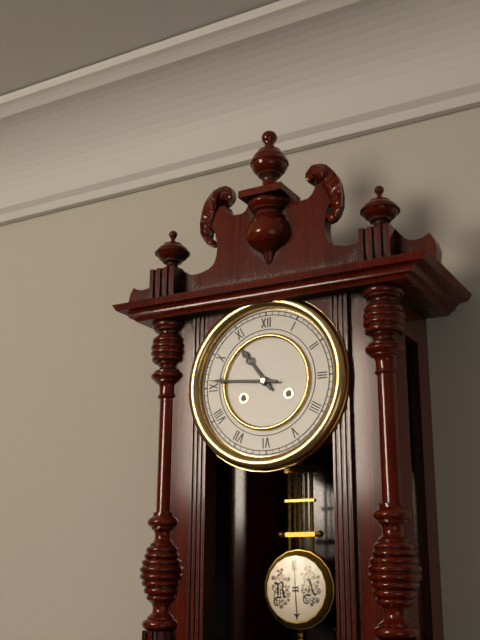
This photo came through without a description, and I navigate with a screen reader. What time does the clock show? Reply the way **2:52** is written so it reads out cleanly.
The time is **10:46**
